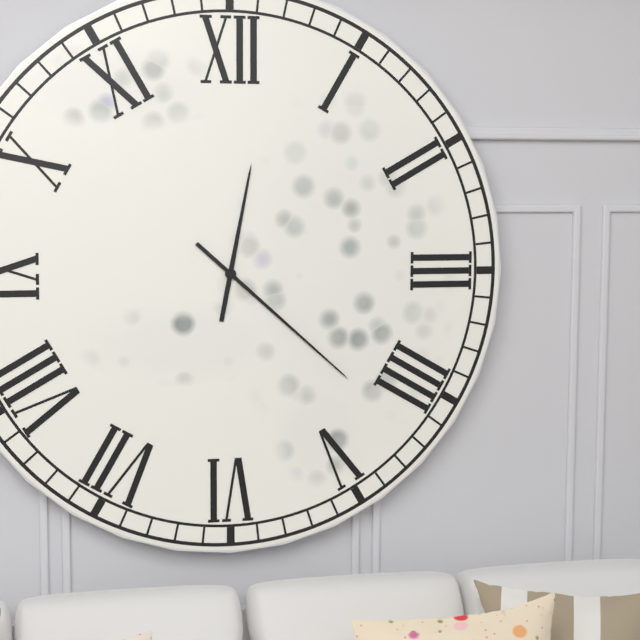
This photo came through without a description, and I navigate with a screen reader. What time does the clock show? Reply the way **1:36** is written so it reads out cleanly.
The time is **12:22**
